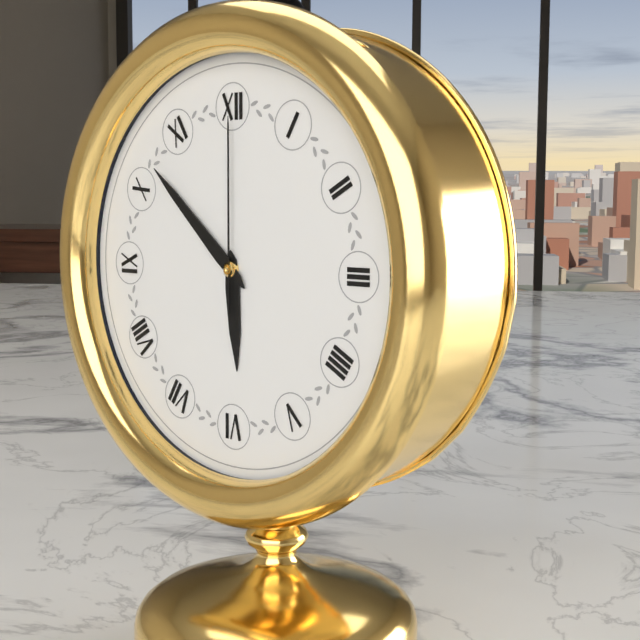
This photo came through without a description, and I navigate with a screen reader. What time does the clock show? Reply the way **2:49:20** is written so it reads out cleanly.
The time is **5:52:00**
